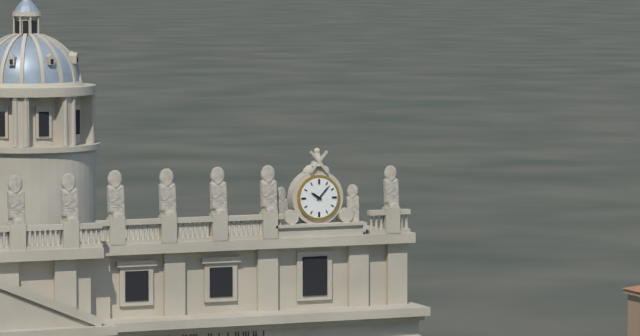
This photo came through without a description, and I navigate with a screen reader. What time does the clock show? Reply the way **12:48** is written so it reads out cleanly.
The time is **10:07**
